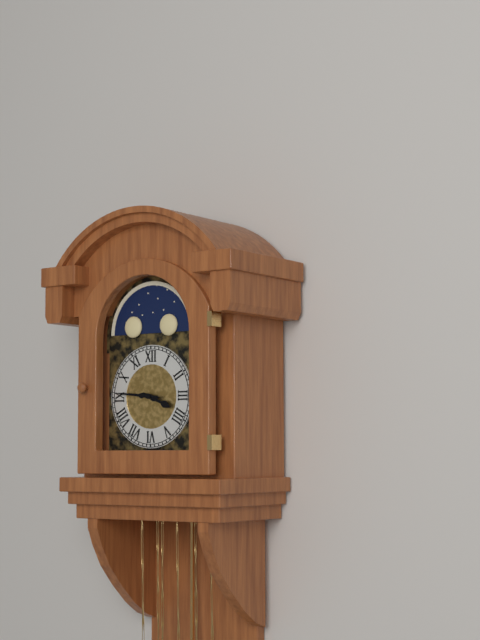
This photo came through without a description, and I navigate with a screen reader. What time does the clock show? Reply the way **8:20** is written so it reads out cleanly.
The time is **3:46**
